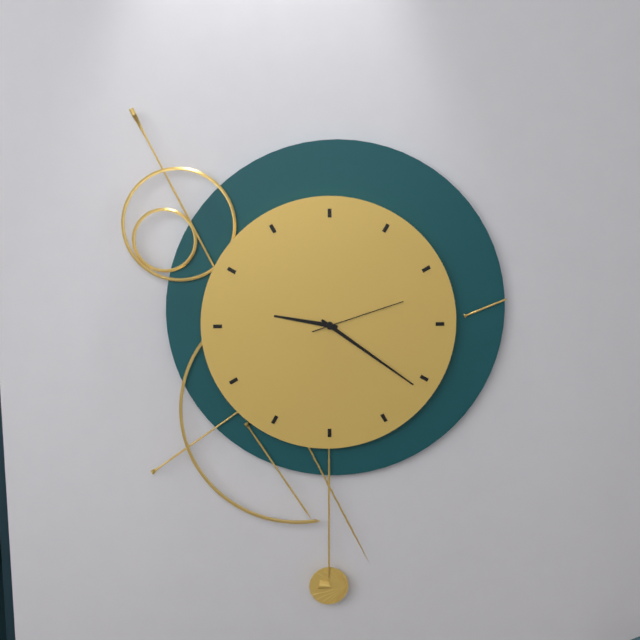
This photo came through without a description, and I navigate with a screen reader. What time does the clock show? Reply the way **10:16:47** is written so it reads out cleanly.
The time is **9:21:12**
